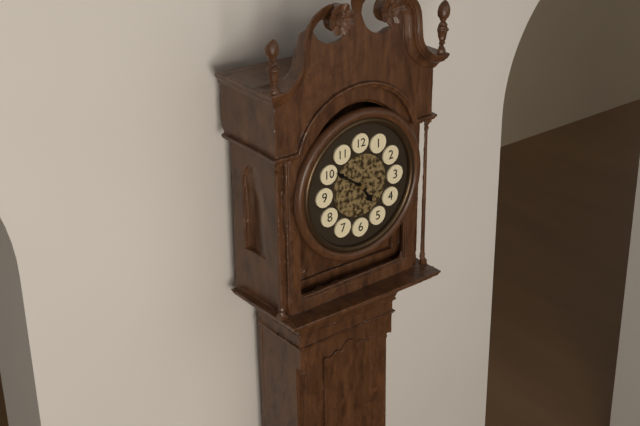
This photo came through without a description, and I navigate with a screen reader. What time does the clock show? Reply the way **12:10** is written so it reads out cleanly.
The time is **4:51**
